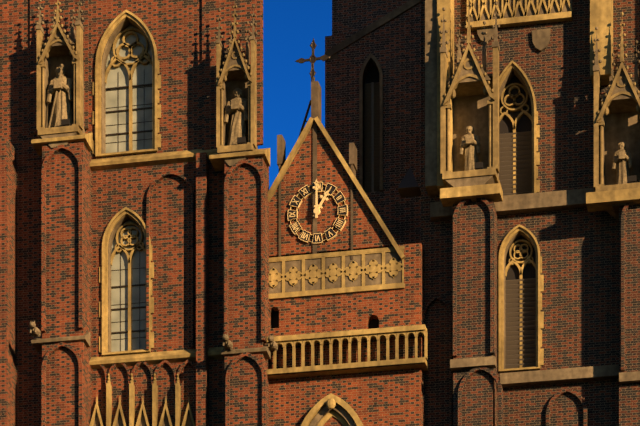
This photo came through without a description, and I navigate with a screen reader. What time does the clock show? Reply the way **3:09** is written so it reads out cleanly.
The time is **1:00**
